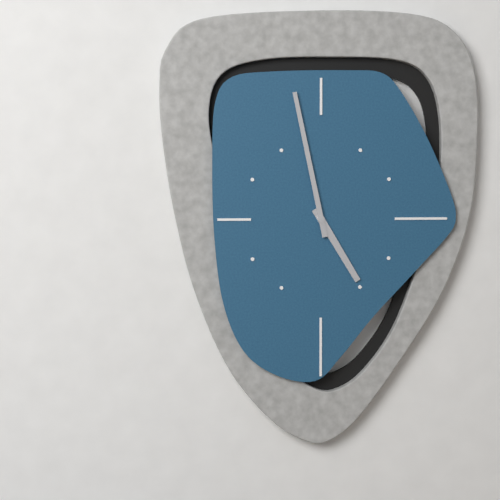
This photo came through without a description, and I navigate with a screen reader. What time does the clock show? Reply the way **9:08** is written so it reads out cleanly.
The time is **4:58**
